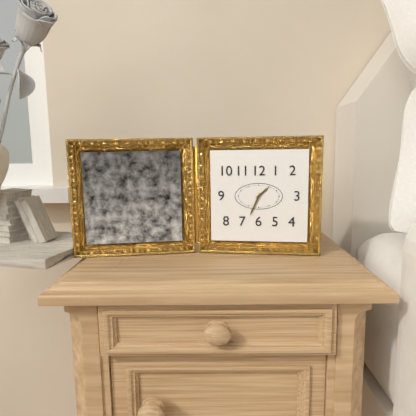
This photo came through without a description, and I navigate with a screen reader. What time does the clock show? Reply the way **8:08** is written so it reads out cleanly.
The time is **1:34**
